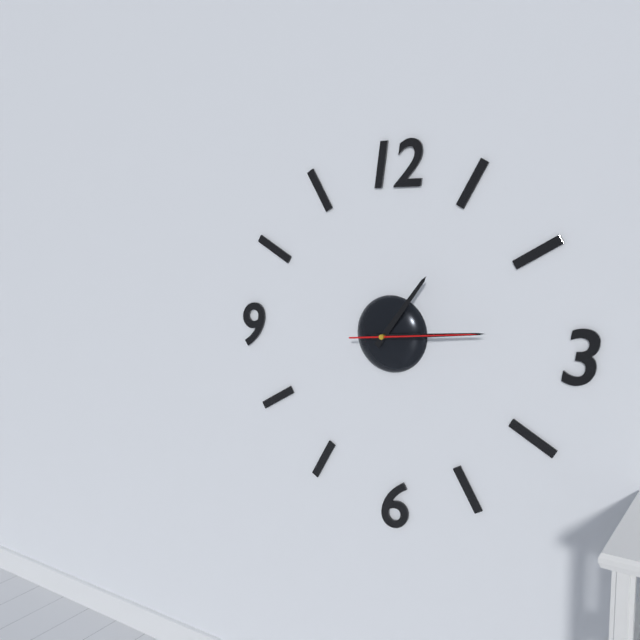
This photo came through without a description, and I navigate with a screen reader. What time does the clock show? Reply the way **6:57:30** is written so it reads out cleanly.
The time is **1:14:14**
